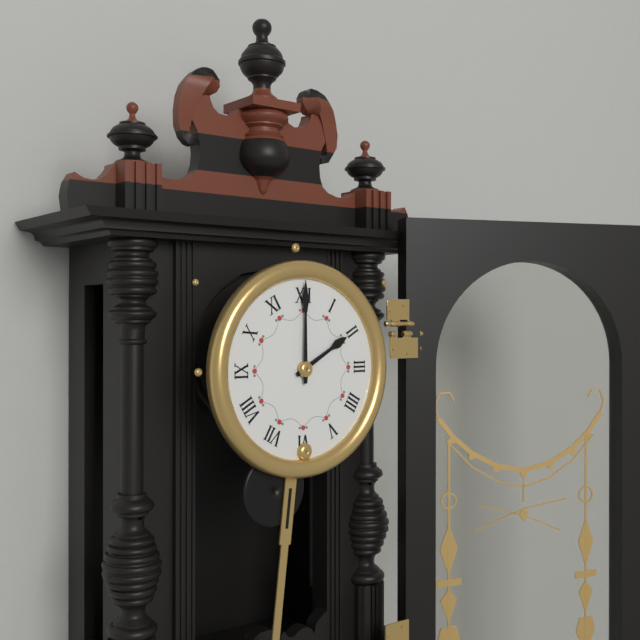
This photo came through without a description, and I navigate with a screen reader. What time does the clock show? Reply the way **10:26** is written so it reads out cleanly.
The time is **2:00**
